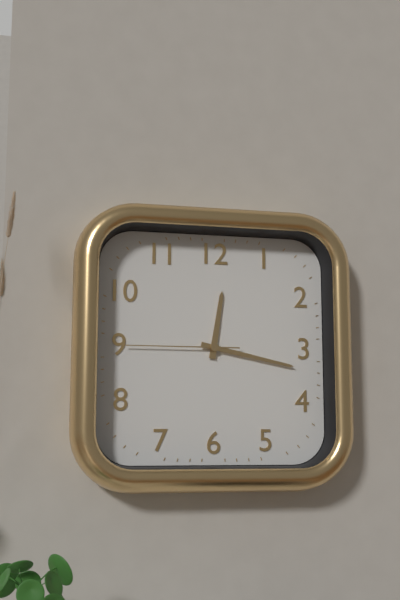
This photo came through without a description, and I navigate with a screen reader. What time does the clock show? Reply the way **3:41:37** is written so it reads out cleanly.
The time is **12:17:45**
